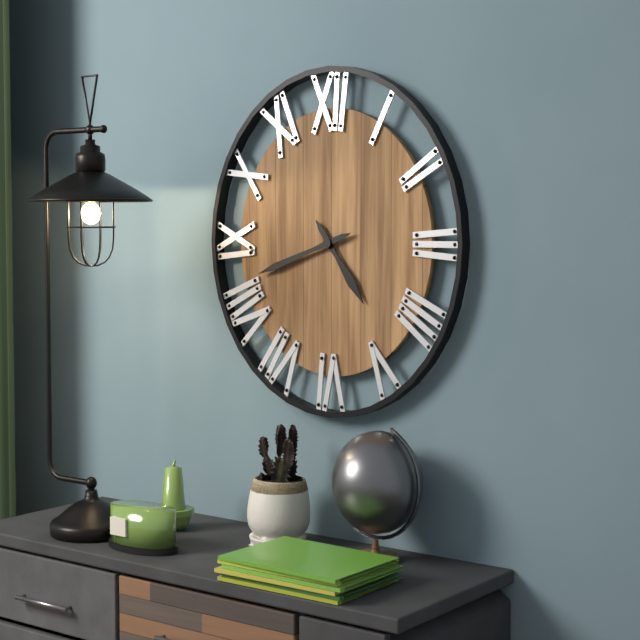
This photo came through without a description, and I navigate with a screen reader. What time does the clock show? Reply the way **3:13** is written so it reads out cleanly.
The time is **4:42**
